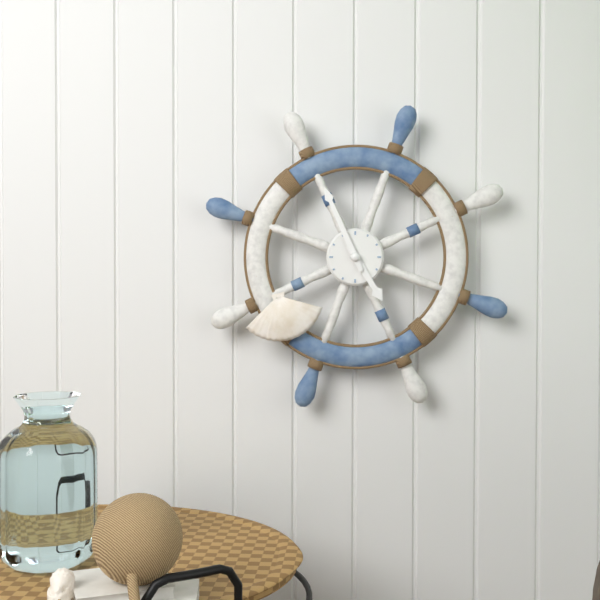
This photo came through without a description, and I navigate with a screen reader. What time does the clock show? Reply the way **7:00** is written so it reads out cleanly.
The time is **4:56**
